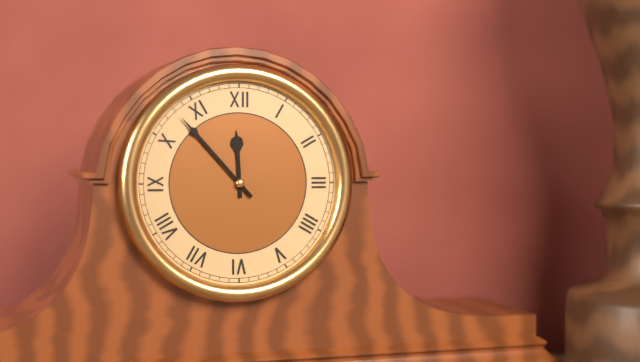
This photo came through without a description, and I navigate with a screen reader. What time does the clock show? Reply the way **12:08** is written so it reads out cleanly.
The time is **11:53**
